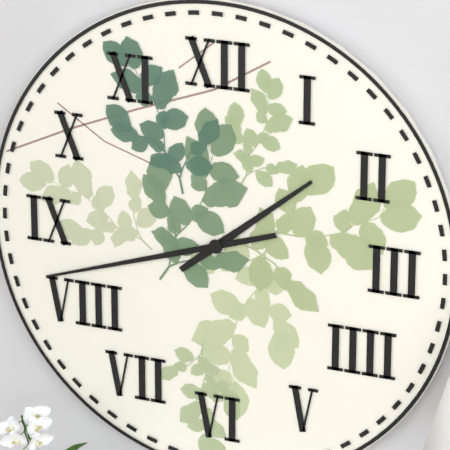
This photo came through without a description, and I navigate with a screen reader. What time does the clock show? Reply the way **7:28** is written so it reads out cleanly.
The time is **1:42**
